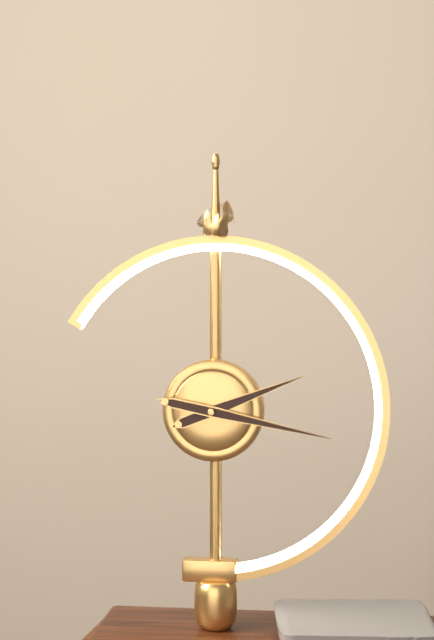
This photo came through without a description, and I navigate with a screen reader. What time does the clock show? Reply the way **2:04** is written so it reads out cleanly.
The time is **2:17**
